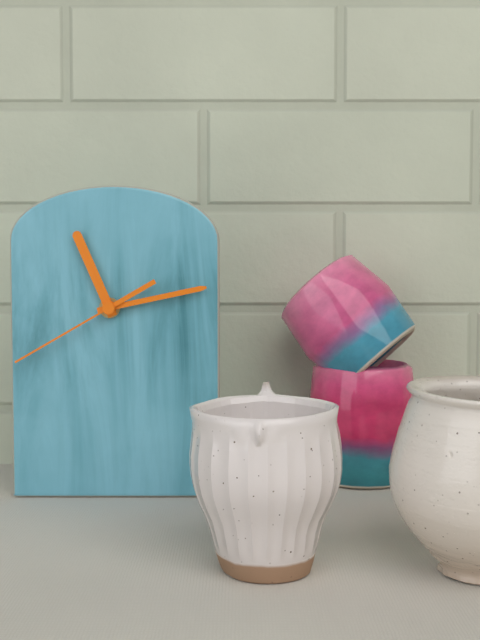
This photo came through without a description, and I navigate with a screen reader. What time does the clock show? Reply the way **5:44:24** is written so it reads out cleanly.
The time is **11:13:40**
